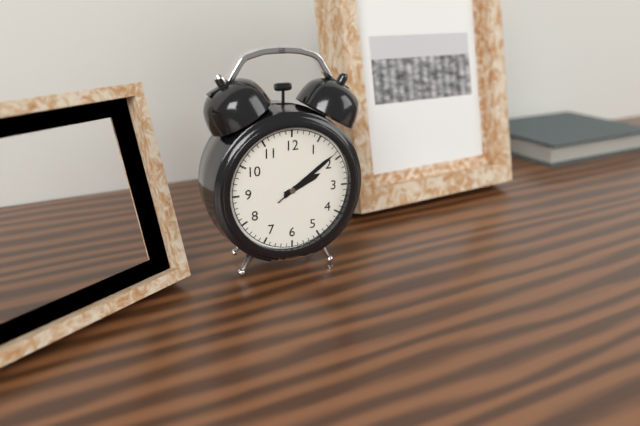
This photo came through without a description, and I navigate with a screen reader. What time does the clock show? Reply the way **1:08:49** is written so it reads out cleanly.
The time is **2:09:09**
